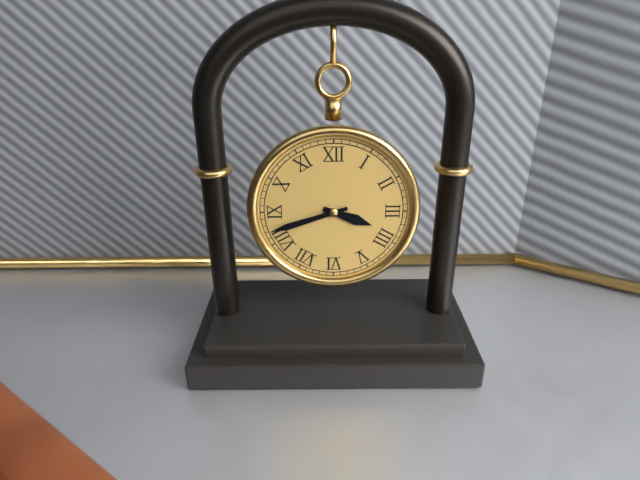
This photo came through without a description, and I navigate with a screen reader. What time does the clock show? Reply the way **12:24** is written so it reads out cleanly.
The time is **3:42**
